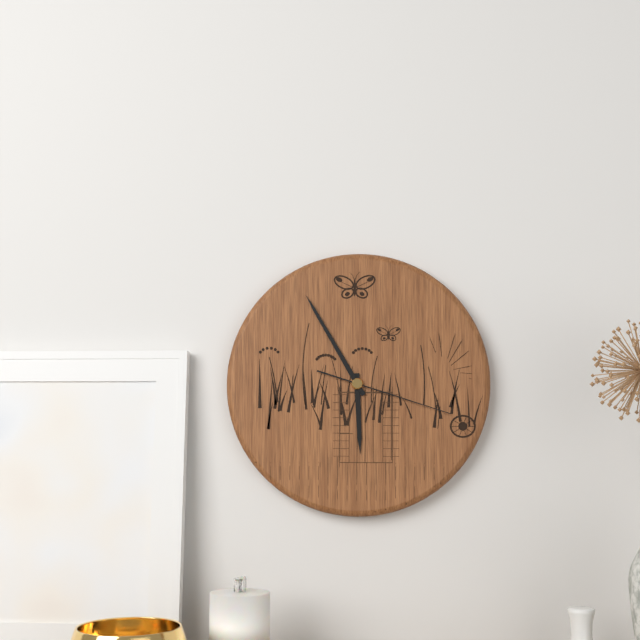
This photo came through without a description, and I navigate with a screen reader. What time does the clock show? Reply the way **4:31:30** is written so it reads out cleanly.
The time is **5:55:18**
